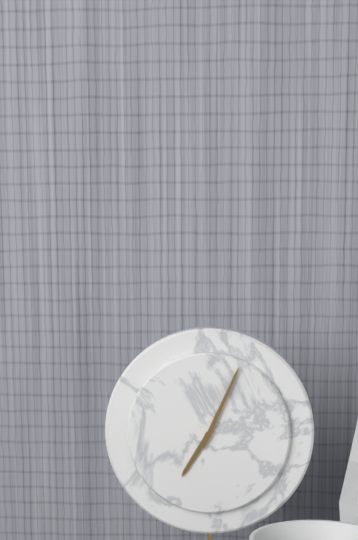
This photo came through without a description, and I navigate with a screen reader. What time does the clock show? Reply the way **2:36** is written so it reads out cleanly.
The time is **7:04**
